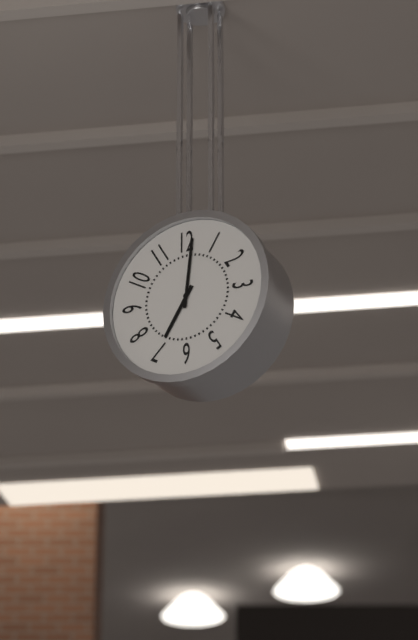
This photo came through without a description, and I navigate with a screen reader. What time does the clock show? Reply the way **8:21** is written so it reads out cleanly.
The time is **7:01**
